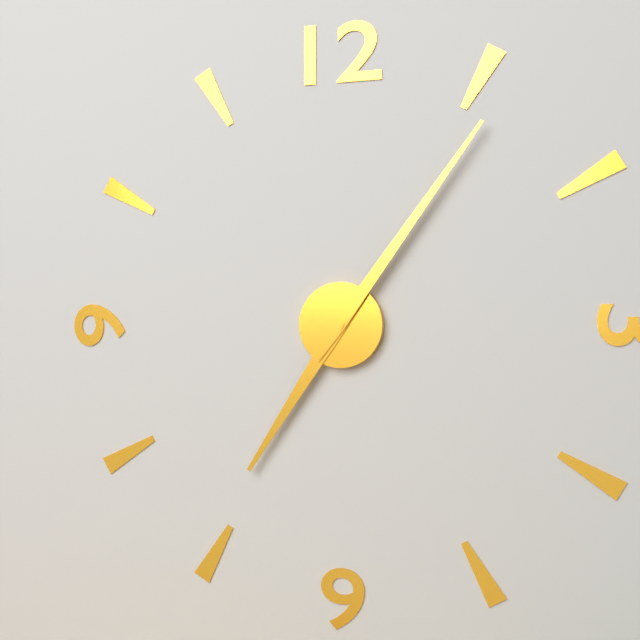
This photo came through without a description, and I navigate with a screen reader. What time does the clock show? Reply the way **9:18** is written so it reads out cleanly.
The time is **7:06**
